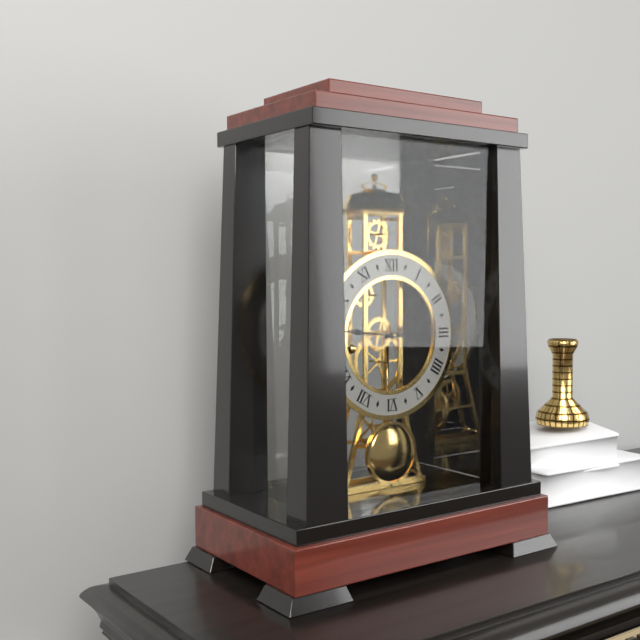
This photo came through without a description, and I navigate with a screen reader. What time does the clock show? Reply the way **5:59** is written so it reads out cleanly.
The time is **2:46**
